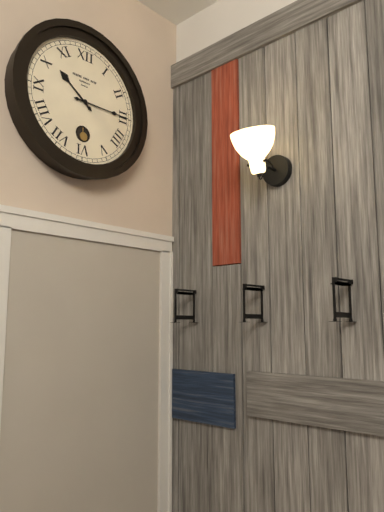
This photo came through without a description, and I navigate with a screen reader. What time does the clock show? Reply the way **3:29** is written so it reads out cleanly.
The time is **10:15**
